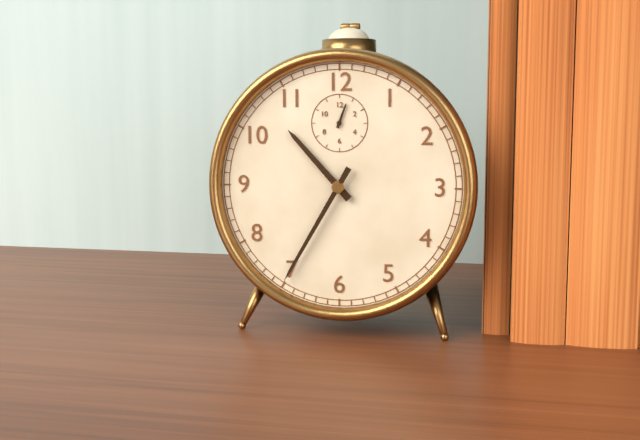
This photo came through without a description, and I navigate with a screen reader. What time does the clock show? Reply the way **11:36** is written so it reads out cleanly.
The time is **10:35**
